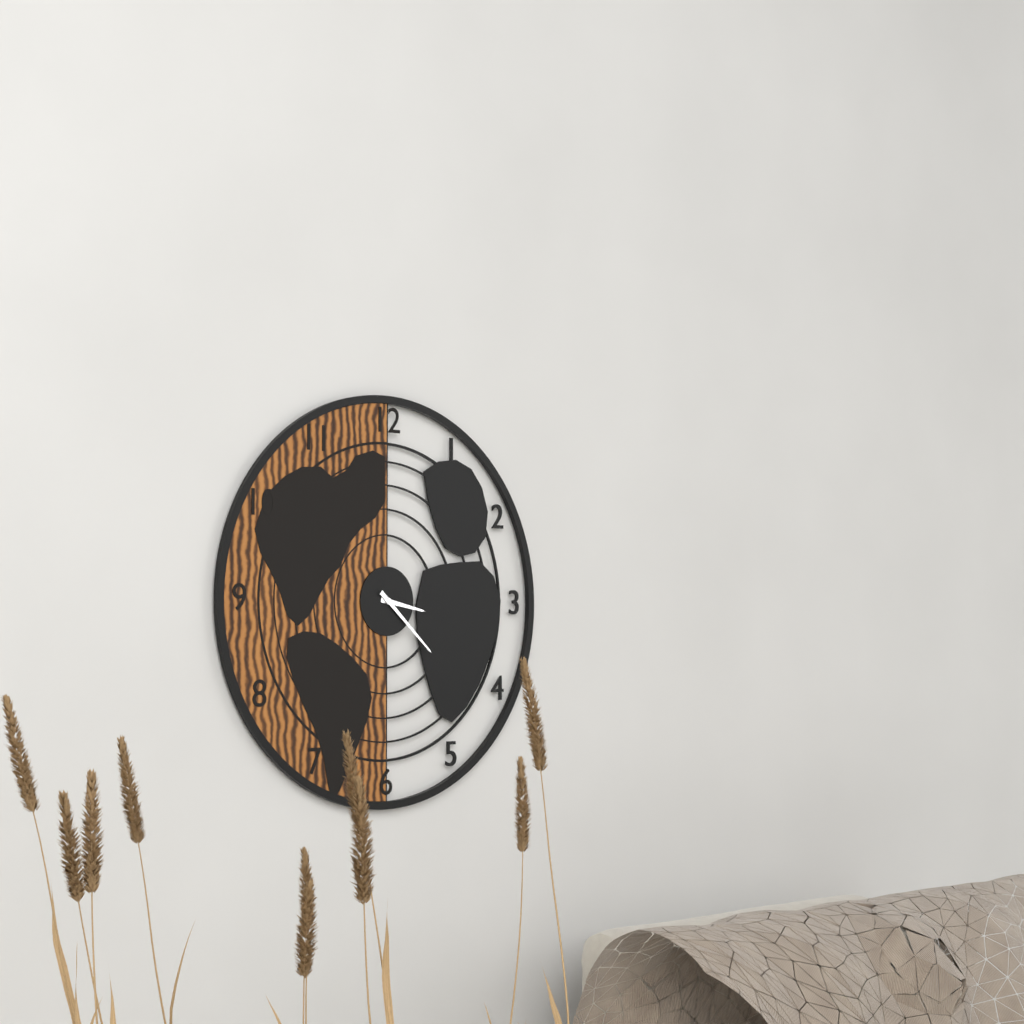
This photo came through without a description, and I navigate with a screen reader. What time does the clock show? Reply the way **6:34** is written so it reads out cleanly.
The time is **3:22**
